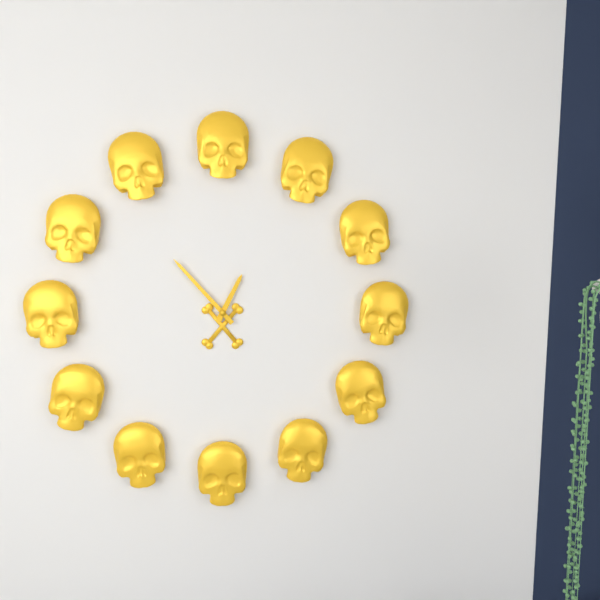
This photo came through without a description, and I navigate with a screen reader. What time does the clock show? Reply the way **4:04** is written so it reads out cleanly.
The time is **12:53**
